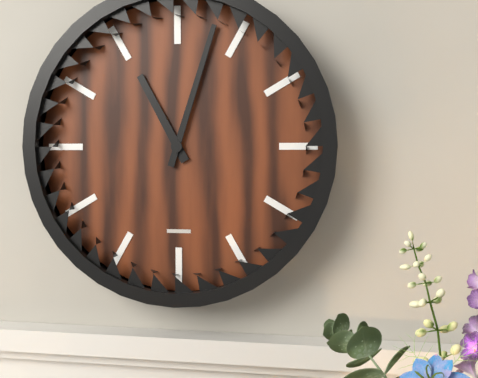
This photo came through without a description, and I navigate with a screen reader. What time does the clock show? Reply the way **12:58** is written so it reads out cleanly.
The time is **11:03**
